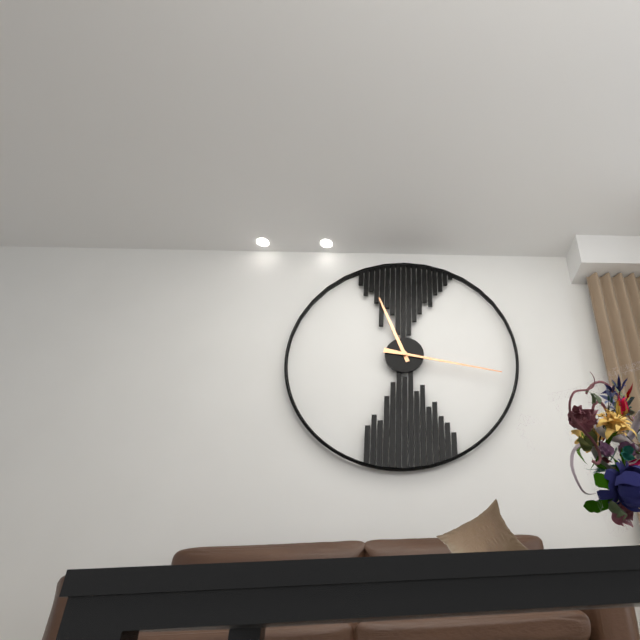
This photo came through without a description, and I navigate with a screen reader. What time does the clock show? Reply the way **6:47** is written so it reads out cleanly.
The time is **11:17**
